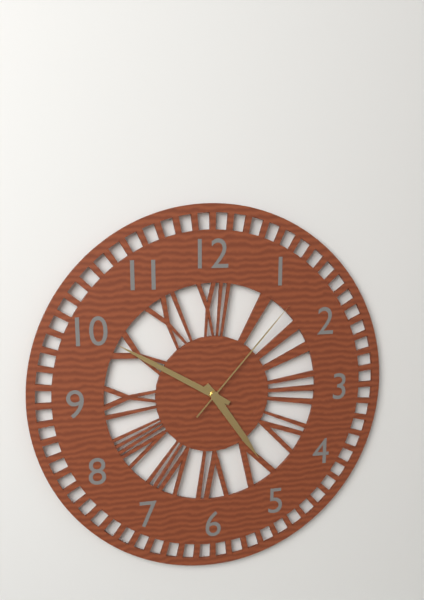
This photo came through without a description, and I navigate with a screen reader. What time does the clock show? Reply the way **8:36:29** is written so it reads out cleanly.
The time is **4:50:07**
